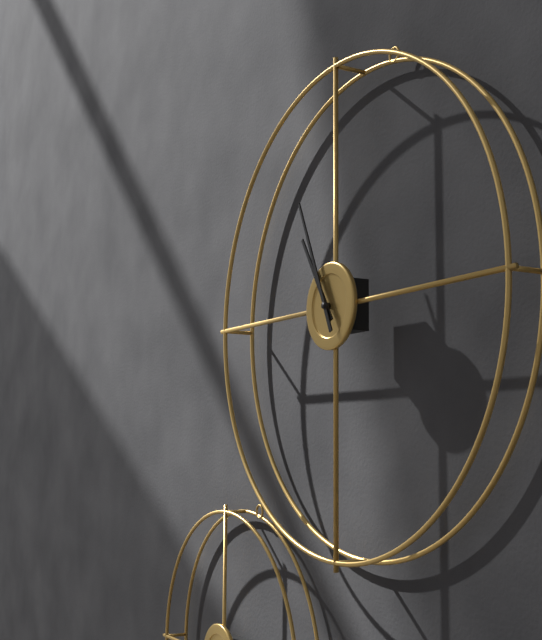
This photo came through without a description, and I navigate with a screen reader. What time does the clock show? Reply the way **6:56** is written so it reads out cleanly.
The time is **10:56**
